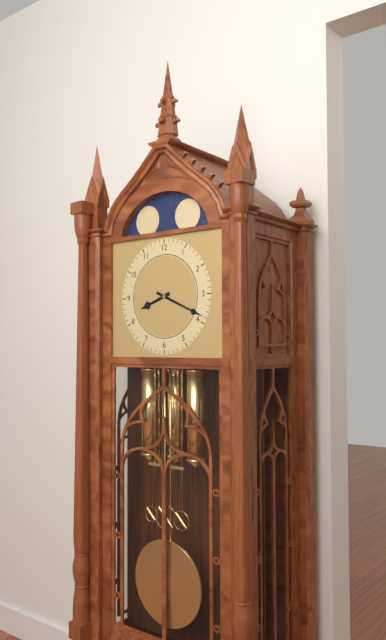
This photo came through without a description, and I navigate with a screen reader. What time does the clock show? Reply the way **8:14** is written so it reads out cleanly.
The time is **8:19**
